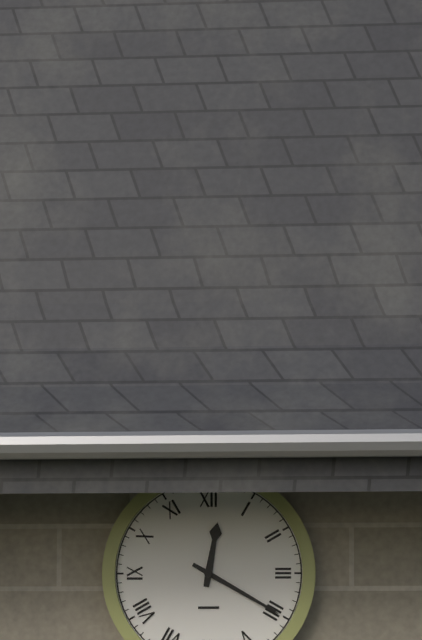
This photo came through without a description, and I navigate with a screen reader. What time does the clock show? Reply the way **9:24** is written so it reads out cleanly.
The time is **12:20**
